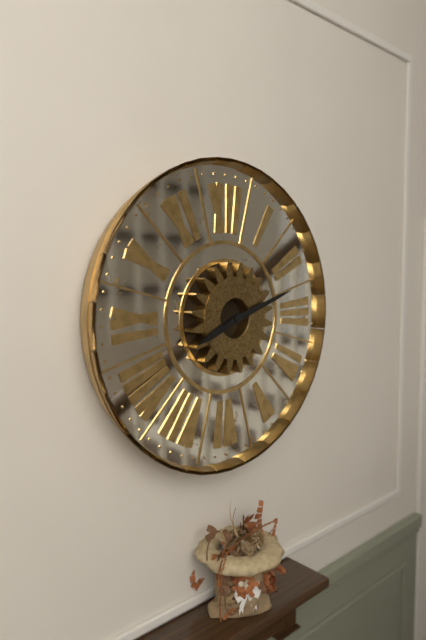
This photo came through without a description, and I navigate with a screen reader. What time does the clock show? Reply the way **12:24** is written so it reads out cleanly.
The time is **8:12**
